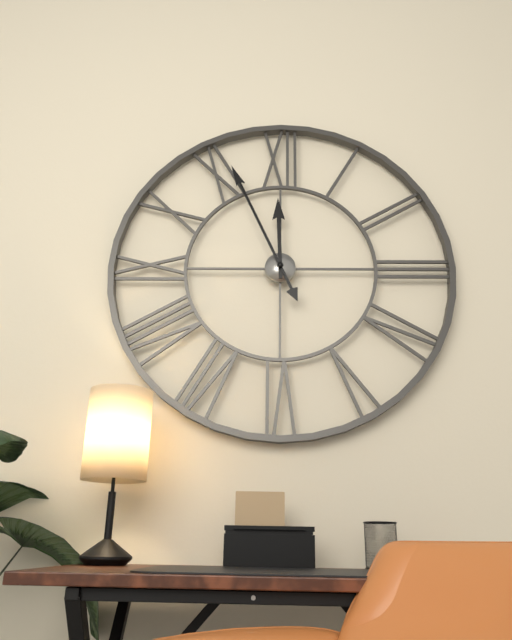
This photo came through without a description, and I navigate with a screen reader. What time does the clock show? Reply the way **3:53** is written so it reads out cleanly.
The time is **11:56**
